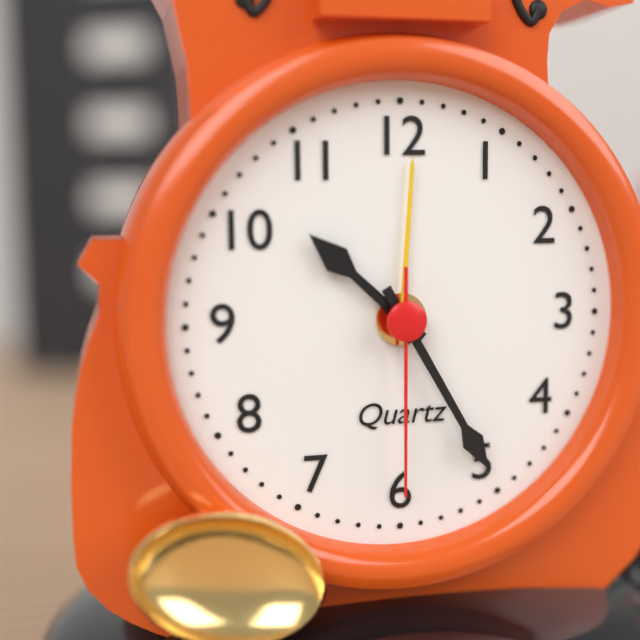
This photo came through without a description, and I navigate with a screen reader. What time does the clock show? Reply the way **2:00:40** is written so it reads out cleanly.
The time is **10:25:30**
